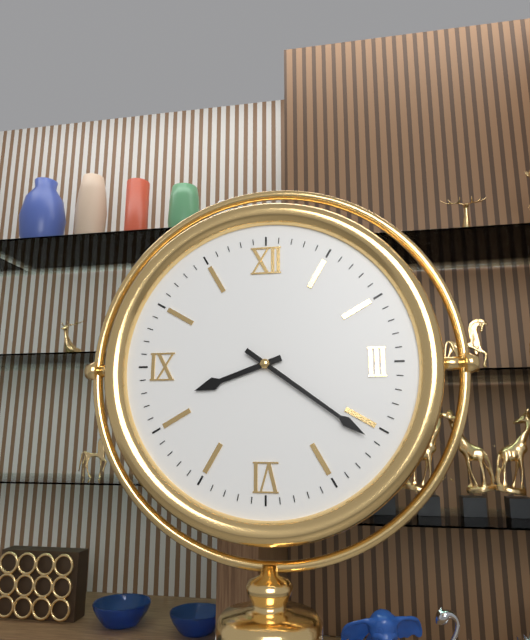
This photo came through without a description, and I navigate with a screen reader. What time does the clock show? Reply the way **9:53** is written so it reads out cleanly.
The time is **8:21**
